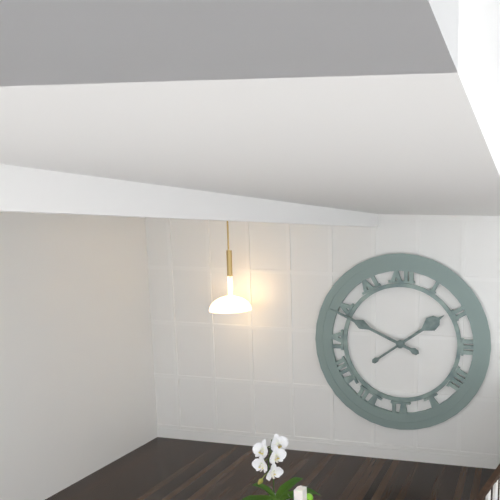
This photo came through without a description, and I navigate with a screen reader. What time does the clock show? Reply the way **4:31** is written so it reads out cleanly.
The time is **1:49**
